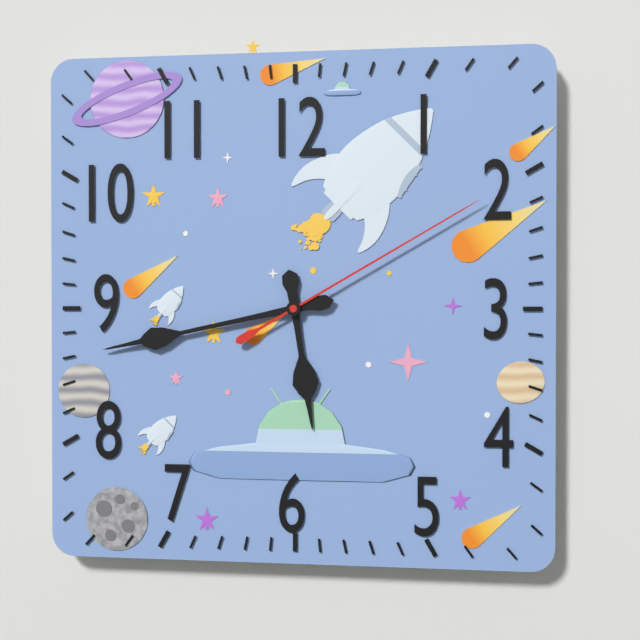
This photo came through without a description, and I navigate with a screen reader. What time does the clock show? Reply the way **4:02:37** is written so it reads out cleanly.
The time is **5:43:10**
